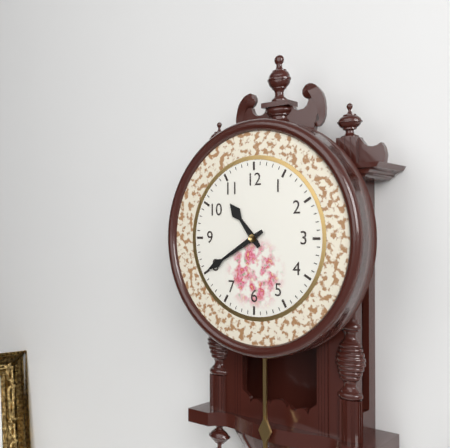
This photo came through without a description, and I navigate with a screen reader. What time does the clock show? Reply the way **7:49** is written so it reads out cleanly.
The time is **10:40**
